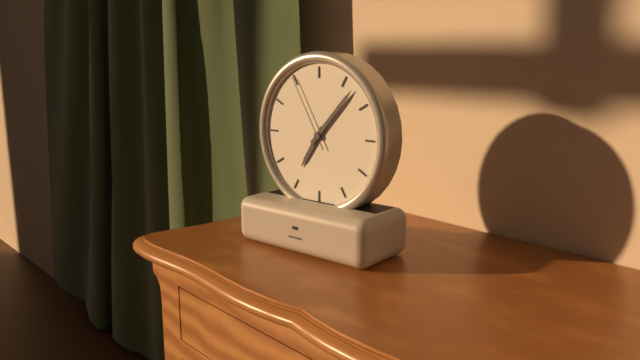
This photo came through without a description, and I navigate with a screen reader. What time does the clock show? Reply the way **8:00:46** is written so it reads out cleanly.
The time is **7:07:55**
